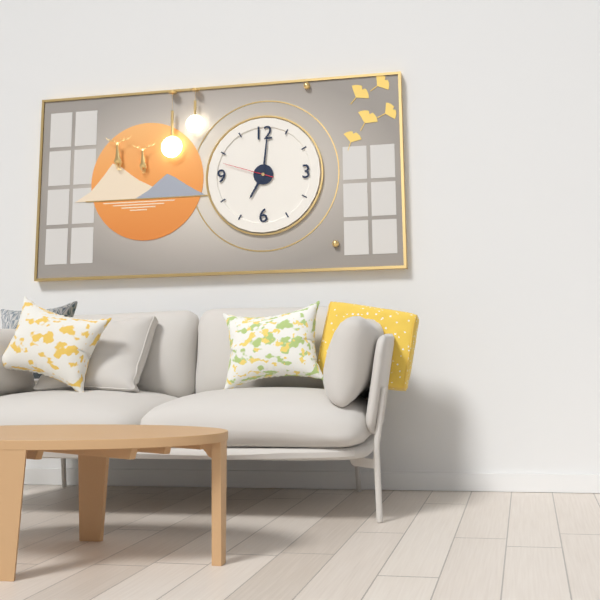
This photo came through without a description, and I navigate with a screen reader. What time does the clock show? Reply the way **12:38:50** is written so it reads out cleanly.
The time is **7:01:48**
